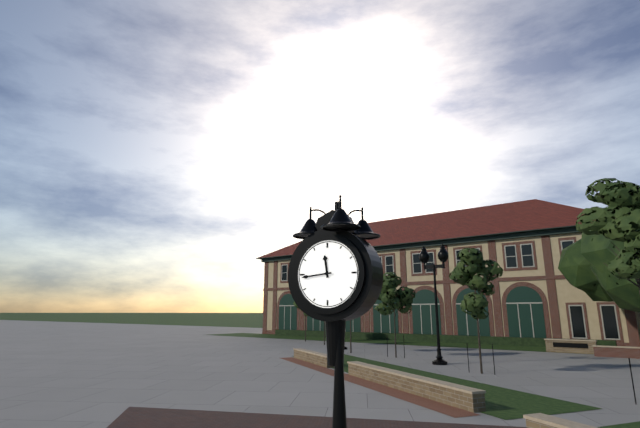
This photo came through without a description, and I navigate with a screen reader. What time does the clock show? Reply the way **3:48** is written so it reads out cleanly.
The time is **11:44**
